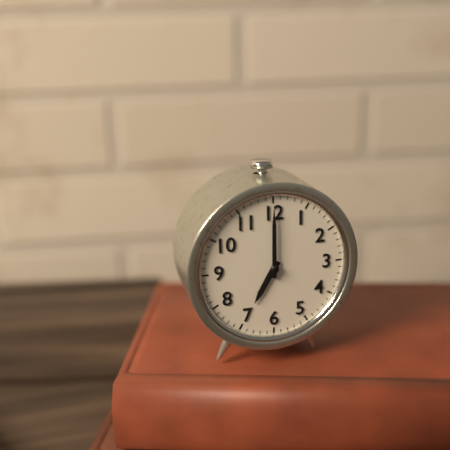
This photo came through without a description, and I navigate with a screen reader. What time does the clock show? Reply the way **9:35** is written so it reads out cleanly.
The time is **7:00**
